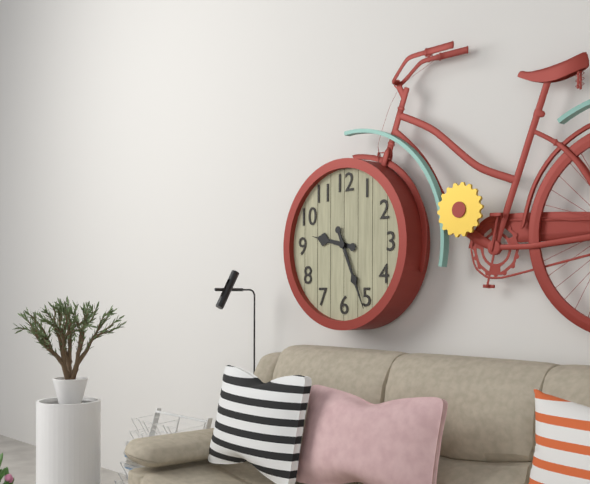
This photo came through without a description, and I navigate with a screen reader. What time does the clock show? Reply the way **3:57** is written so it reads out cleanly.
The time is **9:26**
